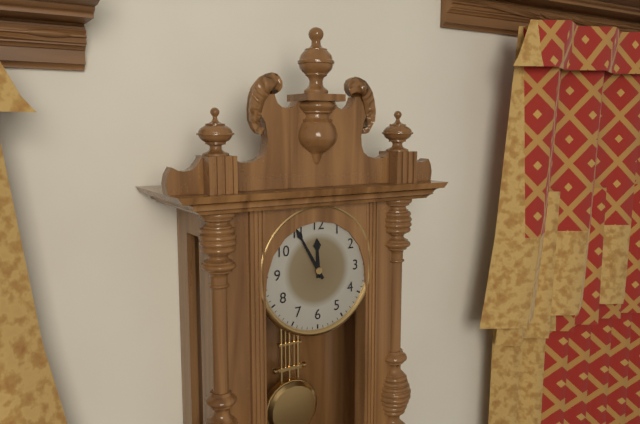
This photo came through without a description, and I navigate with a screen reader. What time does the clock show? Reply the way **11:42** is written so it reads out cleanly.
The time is **11:55**
